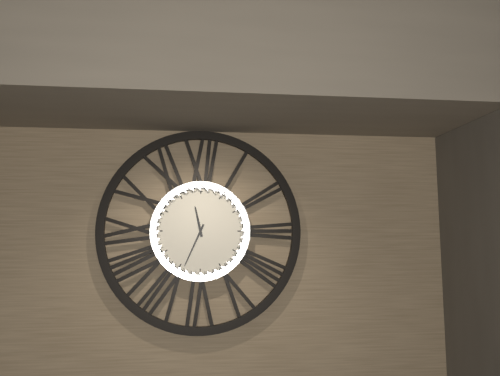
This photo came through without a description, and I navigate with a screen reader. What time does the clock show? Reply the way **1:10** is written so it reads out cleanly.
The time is **11:34**
